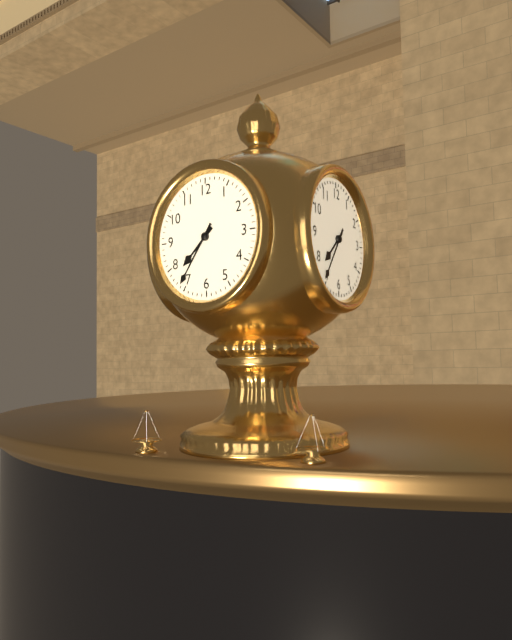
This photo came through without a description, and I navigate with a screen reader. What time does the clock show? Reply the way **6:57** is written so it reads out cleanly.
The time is **7:36**
